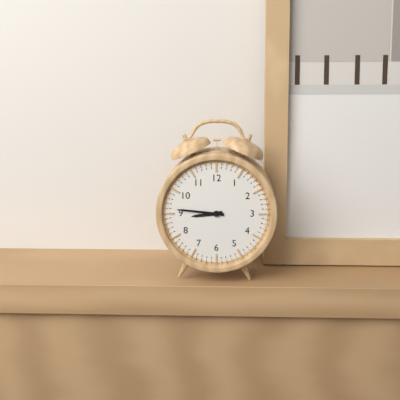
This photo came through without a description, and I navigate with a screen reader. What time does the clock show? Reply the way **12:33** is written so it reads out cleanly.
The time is **8:46**
